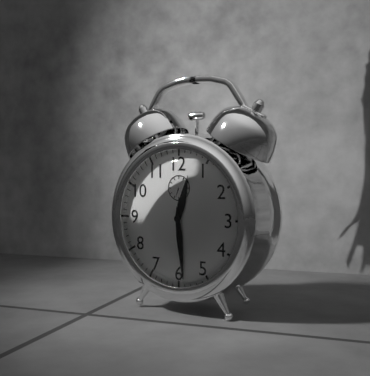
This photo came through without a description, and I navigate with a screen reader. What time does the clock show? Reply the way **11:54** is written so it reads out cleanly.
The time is **12:29**
